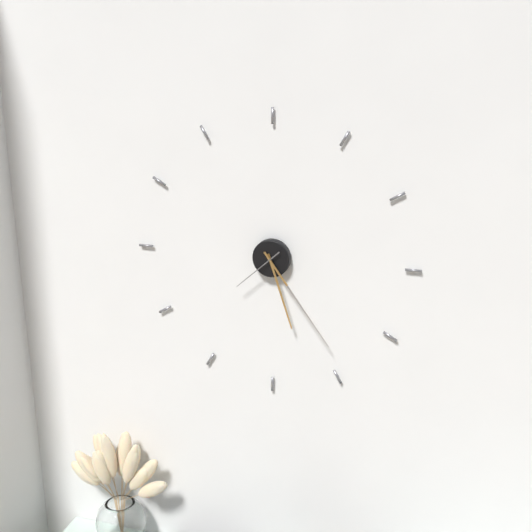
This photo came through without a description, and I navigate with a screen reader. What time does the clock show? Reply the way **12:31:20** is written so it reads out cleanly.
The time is **5:24:38**
